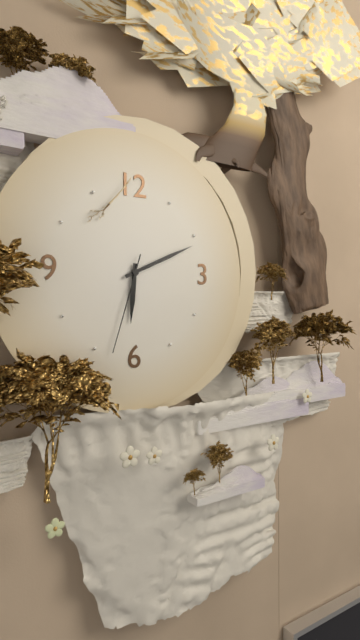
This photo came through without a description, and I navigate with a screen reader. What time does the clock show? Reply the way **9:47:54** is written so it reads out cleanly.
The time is **6:11:33**
